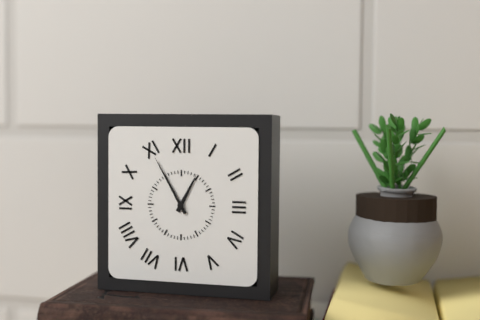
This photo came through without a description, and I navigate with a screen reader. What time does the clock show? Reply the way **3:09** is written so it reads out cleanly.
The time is **12:55**
